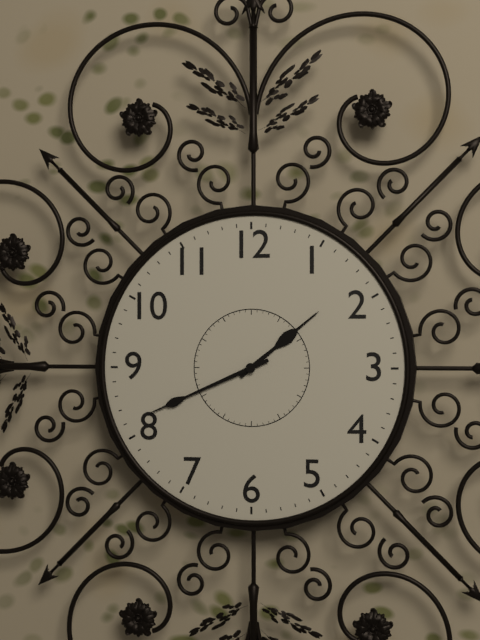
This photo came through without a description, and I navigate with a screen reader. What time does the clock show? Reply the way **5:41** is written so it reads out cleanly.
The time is **1:41**
